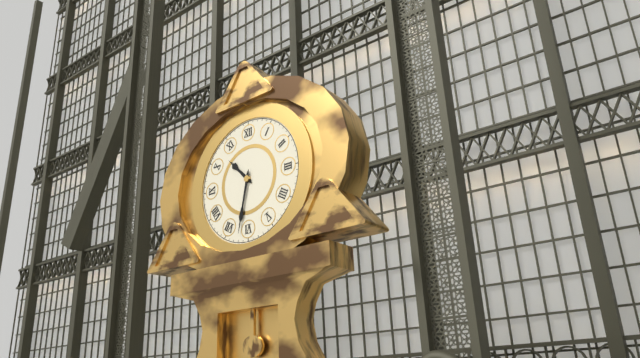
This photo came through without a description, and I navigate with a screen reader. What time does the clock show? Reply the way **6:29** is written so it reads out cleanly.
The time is **10:32**
